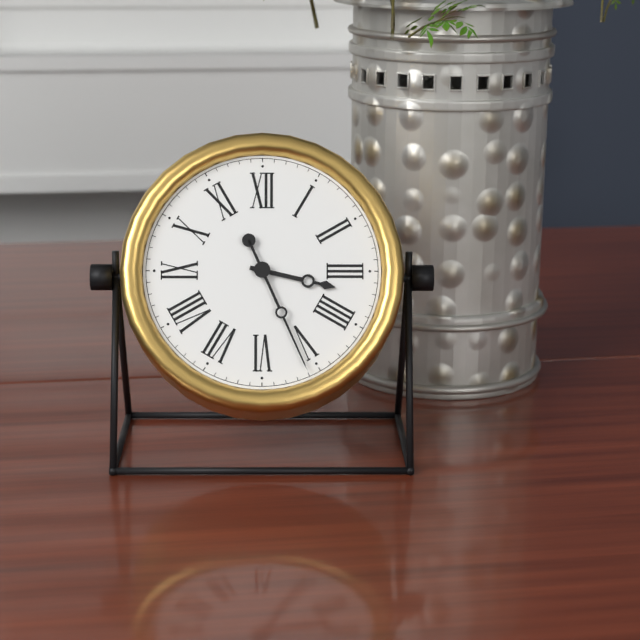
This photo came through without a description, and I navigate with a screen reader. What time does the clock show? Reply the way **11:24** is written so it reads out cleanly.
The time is **3:26**
